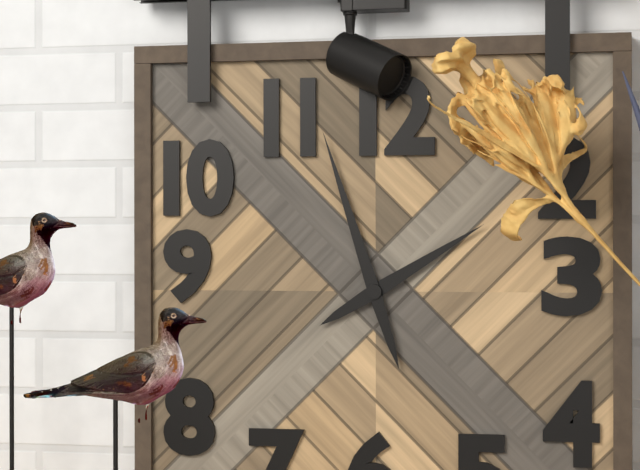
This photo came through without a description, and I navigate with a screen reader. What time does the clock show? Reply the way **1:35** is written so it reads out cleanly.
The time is **1:57**
